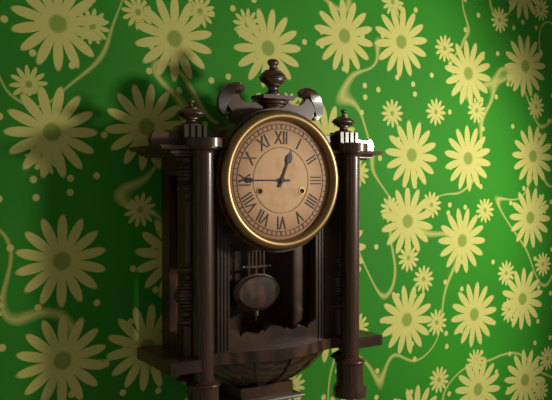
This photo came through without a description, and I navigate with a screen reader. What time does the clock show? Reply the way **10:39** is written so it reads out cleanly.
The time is **12:45**
